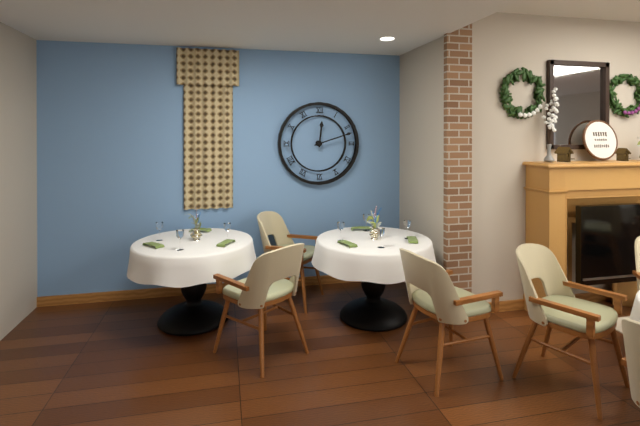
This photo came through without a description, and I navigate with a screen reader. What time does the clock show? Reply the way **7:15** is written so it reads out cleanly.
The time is **12:12**
